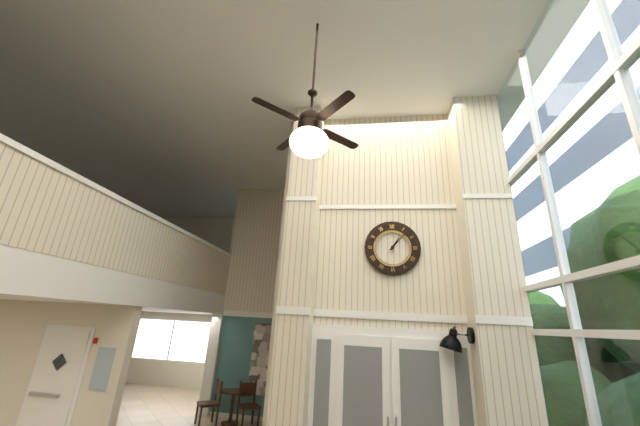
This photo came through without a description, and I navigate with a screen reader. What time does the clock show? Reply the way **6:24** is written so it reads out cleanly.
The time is **1:07**
